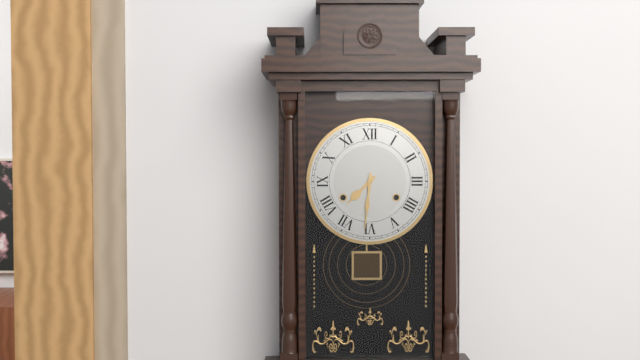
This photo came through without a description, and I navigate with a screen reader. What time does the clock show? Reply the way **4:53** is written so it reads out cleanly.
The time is **7:31**
